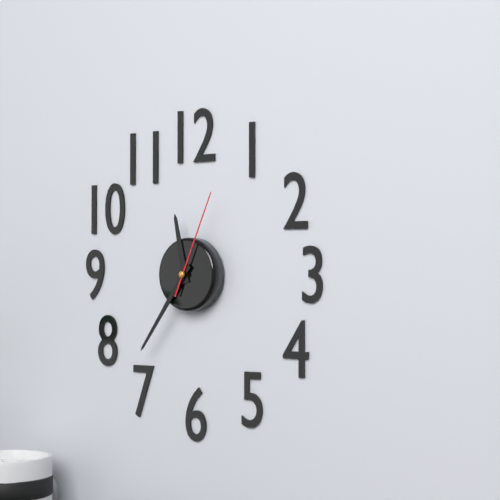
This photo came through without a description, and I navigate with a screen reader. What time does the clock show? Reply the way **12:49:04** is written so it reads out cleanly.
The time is **11:36:04**
